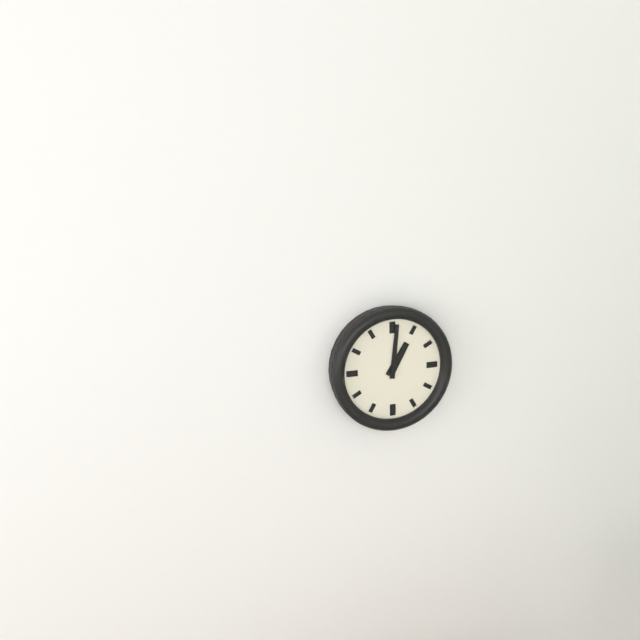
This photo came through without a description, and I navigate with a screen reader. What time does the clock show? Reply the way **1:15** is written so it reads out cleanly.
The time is **1:01**
